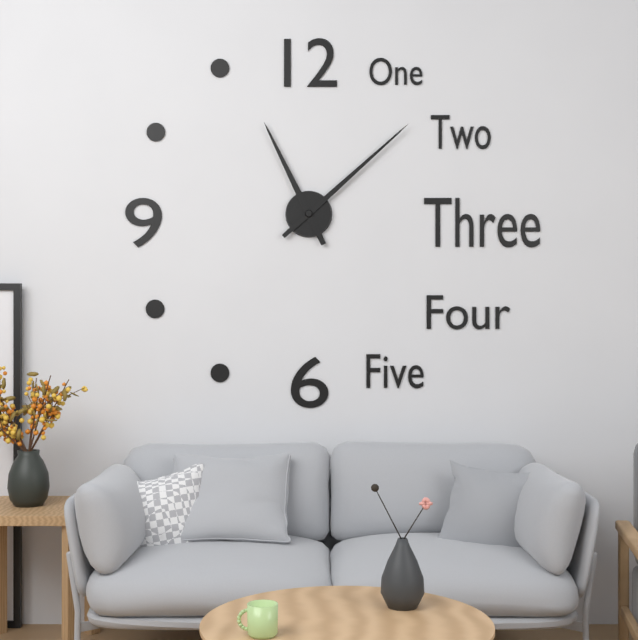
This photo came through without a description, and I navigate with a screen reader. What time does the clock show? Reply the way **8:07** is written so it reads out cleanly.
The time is **11:08**
